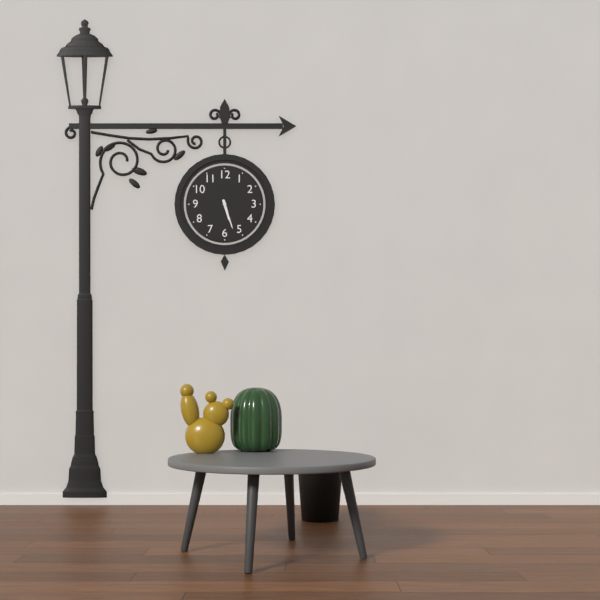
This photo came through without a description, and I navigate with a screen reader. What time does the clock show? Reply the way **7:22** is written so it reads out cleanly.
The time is **5:27**
